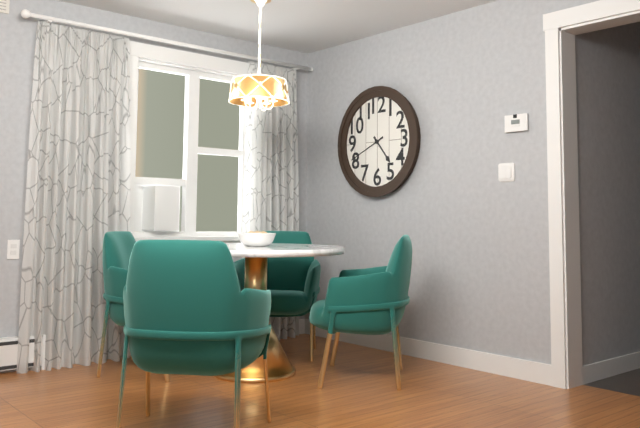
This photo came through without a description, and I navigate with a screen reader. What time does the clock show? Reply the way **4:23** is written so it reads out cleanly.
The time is **4:41**
